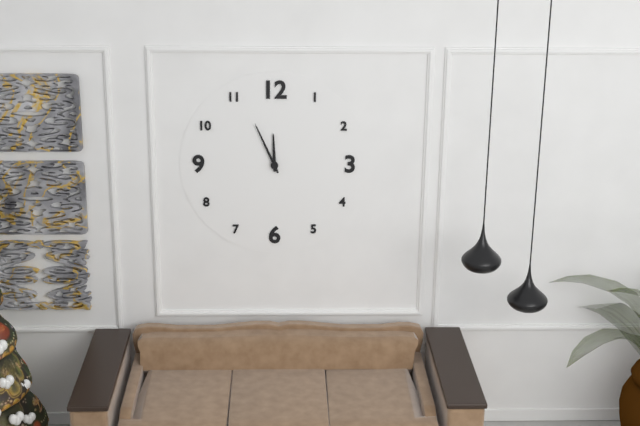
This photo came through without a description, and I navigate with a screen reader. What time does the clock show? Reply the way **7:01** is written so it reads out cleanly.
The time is **11:56**
